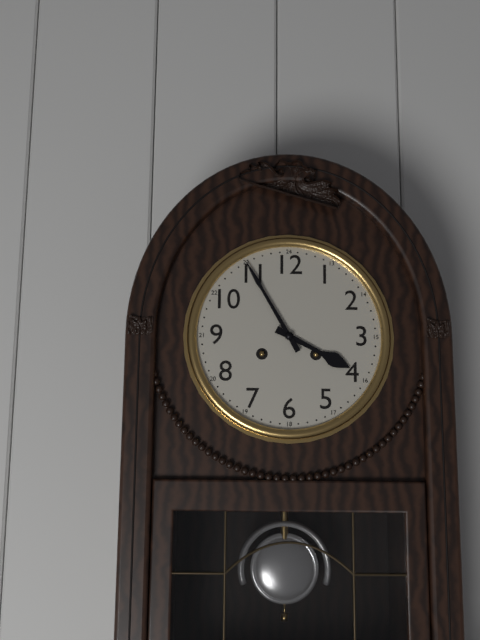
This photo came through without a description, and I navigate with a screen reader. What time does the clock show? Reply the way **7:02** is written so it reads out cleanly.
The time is **3:55**
